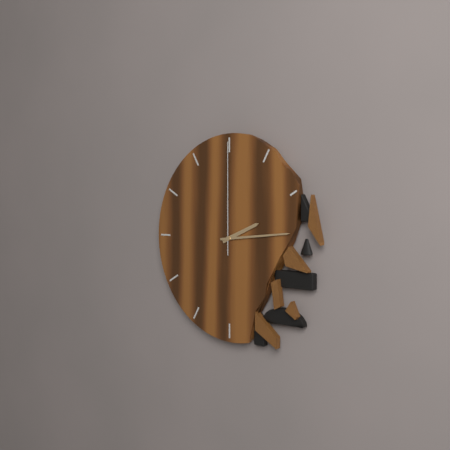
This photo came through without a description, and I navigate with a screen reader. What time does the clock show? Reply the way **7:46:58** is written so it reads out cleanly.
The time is **2:14:00**
